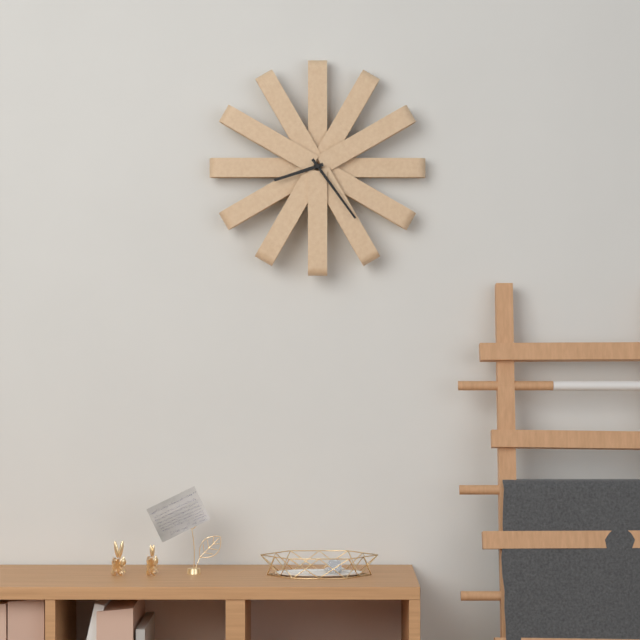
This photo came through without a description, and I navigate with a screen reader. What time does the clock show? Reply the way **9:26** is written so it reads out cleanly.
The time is **8:24**
